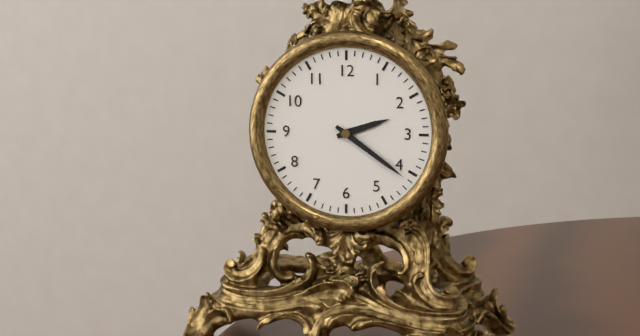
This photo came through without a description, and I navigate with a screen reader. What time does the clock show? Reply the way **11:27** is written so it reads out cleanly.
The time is **2:21**
